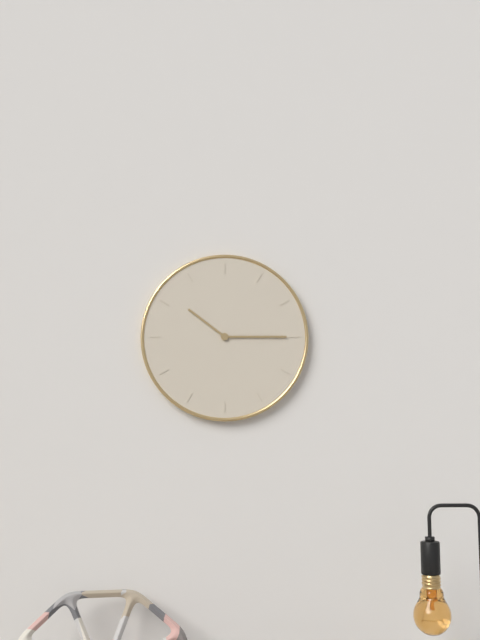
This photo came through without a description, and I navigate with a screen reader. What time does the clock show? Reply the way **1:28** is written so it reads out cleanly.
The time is **10:15**
